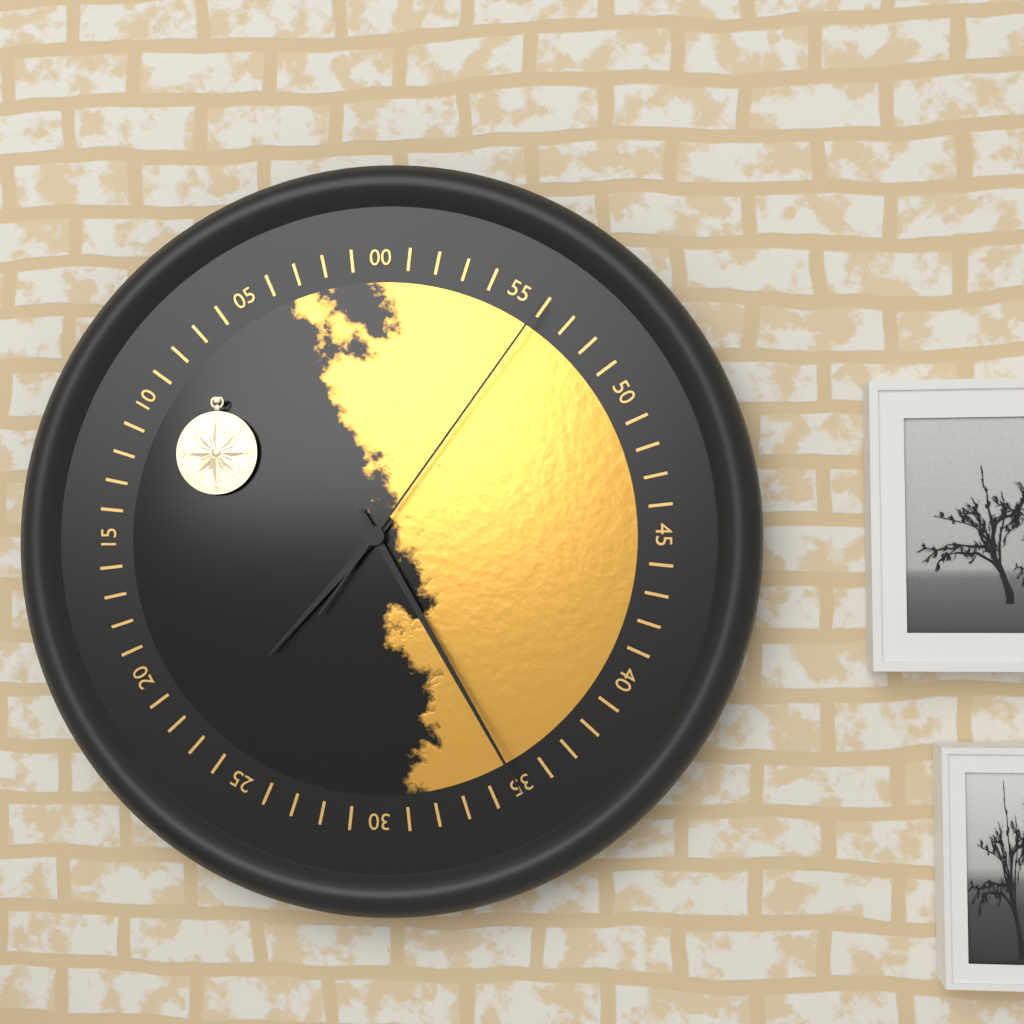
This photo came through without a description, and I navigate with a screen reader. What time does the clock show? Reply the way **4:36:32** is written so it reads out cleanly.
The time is **7:25:06**
